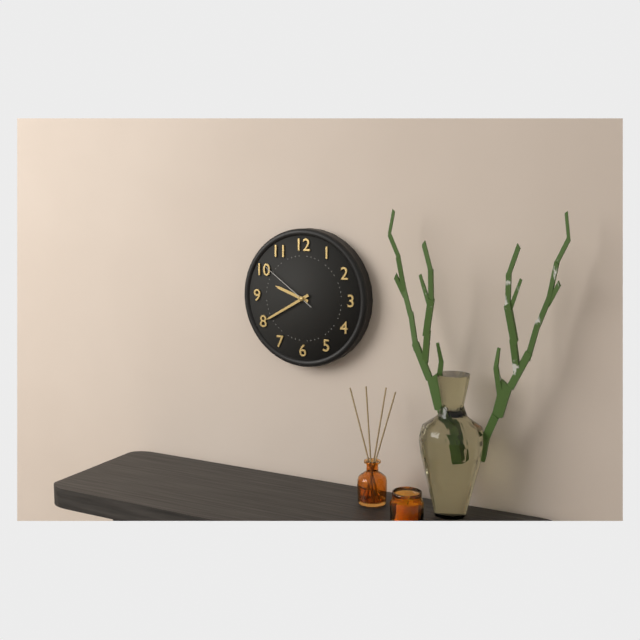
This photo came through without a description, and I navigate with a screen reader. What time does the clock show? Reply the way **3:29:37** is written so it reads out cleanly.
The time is **9:40:51**
